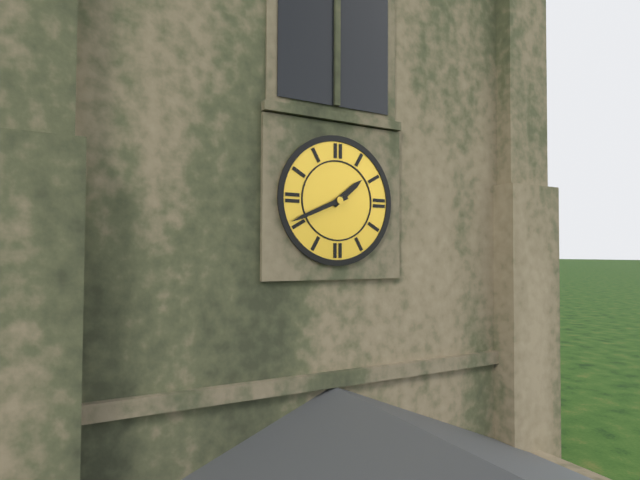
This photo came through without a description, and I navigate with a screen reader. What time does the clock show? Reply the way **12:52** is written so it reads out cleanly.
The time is **1:41**
